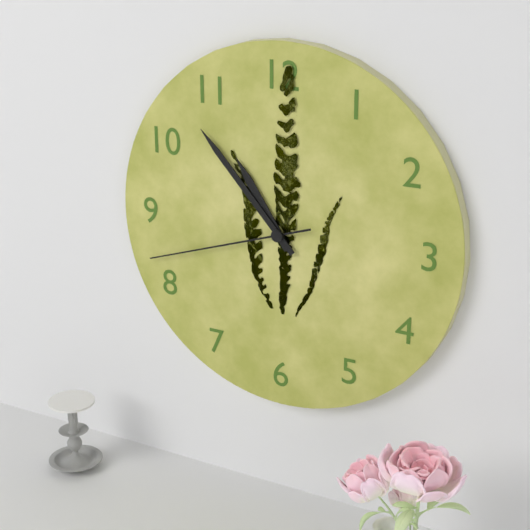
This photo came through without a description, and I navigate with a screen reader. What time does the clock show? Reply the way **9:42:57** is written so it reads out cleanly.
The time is **10:53:42**
